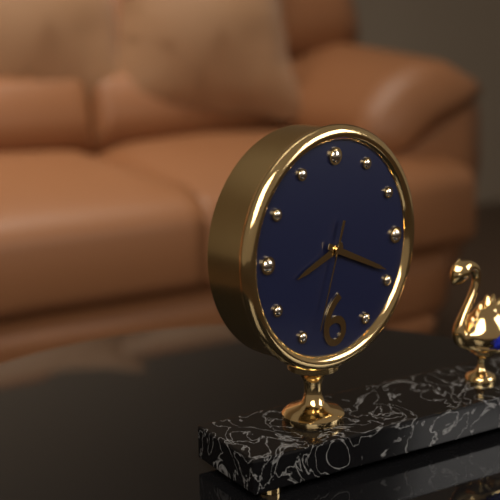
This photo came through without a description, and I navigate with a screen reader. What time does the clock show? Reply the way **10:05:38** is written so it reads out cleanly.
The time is **8:19:33**
